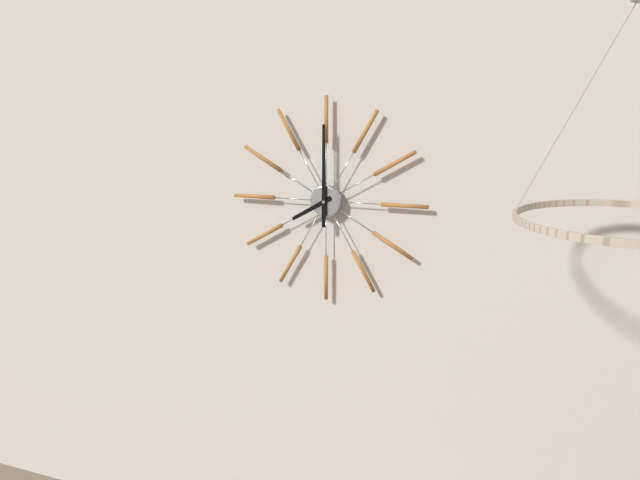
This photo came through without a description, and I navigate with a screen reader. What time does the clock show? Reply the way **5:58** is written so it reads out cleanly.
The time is **8:00**
